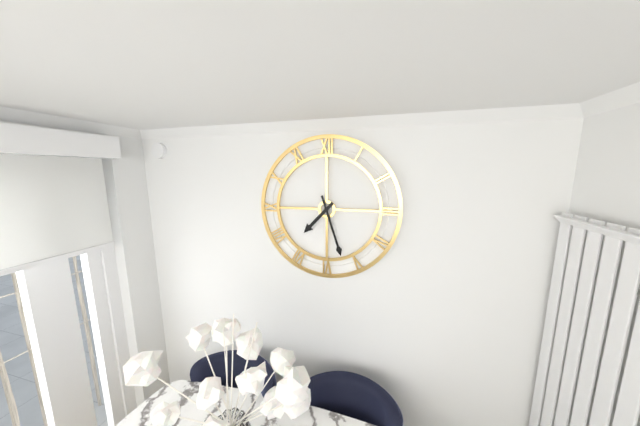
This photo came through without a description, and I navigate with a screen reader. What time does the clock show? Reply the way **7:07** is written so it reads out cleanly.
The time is **7:27**
